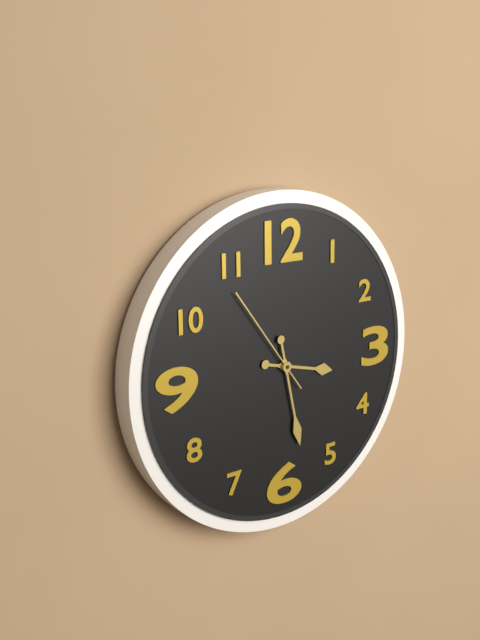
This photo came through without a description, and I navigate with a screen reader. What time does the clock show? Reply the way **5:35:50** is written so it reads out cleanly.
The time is **3:28:54**
